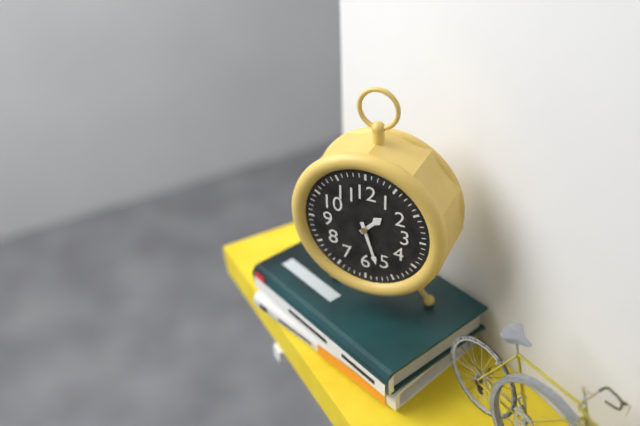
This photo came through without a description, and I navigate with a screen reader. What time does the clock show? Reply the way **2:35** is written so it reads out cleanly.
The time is **1:27**
